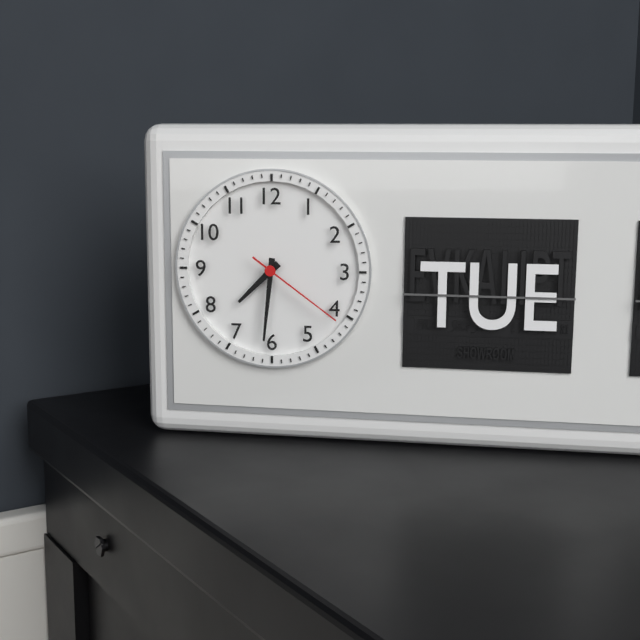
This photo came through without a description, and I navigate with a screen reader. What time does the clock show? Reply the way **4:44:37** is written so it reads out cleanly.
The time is **7:31:21**
